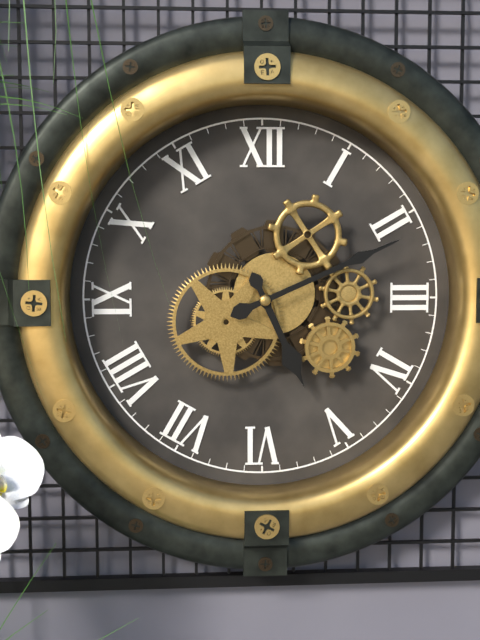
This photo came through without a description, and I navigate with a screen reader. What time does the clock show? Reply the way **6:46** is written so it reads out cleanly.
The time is **5:11**
